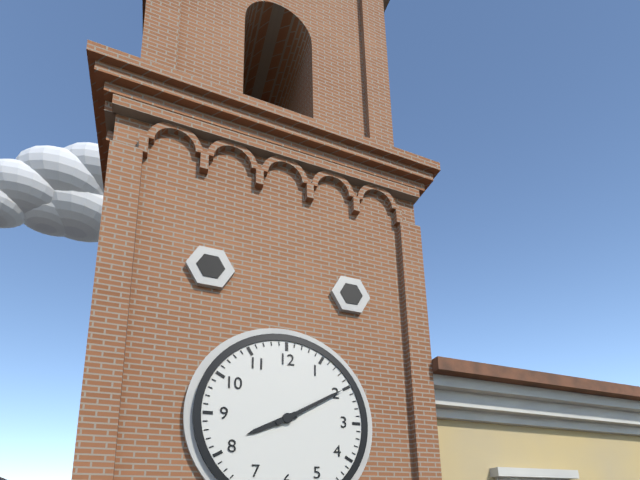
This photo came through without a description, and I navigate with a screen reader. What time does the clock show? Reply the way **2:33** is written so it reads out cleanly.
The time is **8:10**
